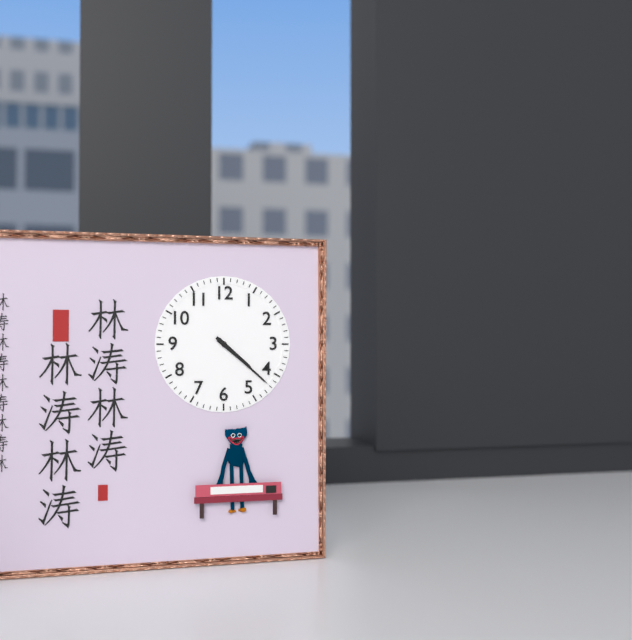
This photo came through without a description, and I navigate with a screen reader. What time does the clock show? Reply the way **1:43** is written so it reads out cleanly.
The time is **4:22**
